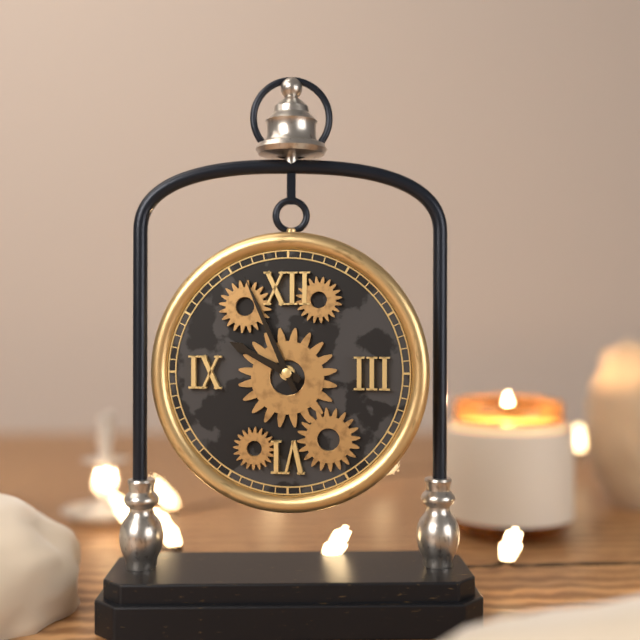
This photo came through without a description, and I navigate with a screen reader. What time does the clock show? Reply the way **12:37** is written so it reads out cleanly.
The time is **9:56**
